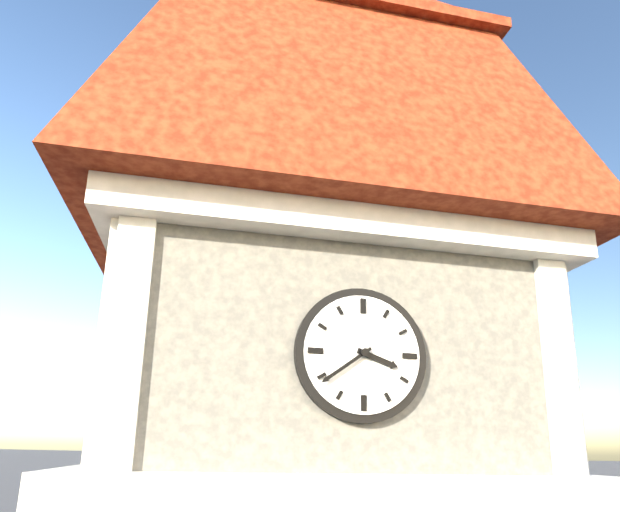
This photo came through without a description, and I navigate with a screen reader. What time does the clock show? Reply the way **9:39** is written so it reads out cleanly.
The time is **3:39**
